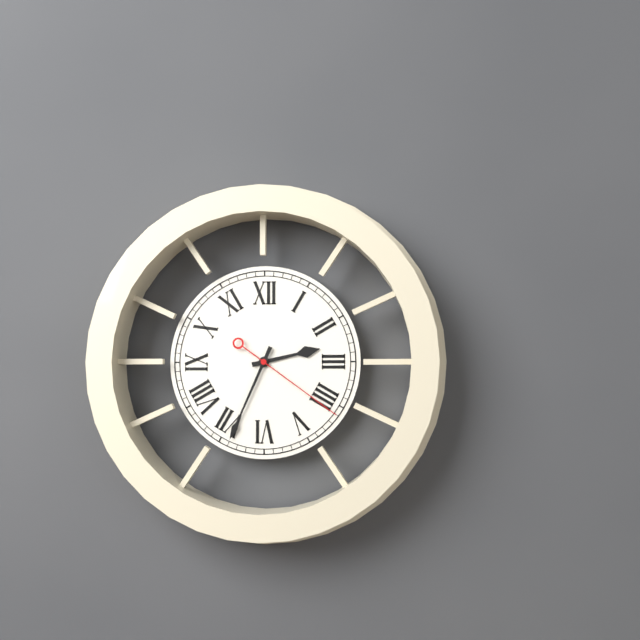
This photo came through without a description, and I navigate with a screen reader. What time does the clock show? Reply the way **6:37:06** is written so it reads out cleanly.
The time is **2:34:21**
